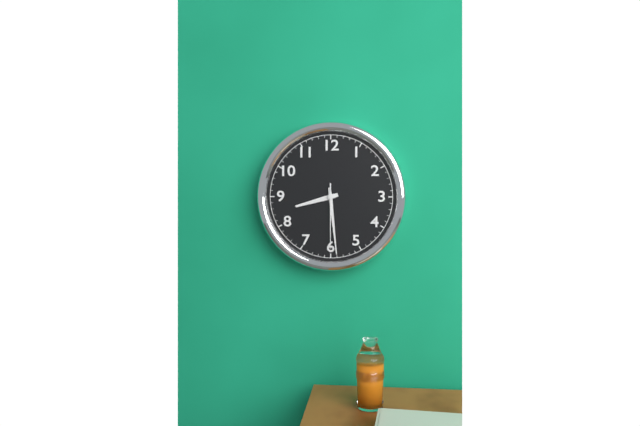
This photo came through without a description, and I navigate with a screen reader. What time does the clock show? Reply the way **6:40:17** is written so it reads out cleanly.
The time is **8:29:30**
